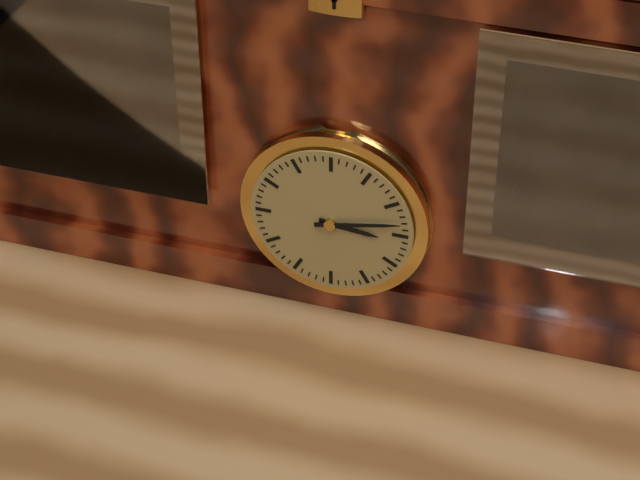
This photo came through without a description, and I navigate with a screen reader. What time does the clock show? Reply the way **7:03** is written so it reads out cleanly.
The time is **3:13**
